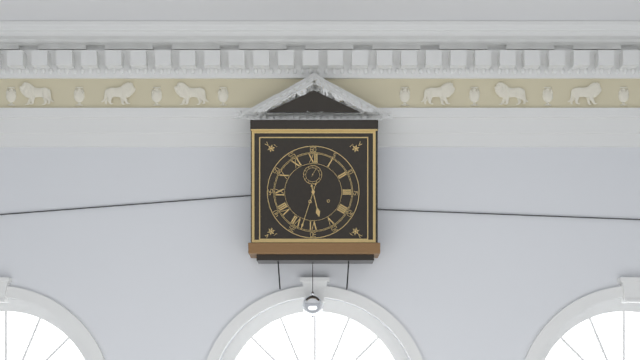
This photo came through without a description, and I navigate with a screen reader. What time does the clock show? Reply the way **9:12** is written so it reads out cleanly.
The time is **5:33**
